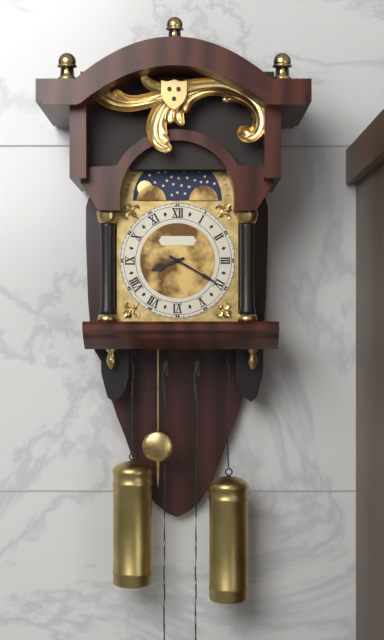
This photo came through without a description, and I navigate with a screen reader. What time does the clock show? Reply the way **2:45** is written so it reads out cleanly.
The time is **8:20**
